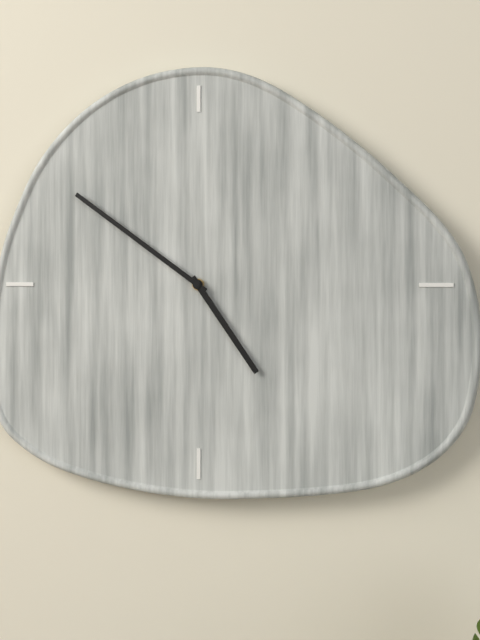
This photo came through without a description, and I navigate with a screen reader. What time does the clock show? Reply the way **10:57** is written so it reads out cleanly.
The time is **4:51**
